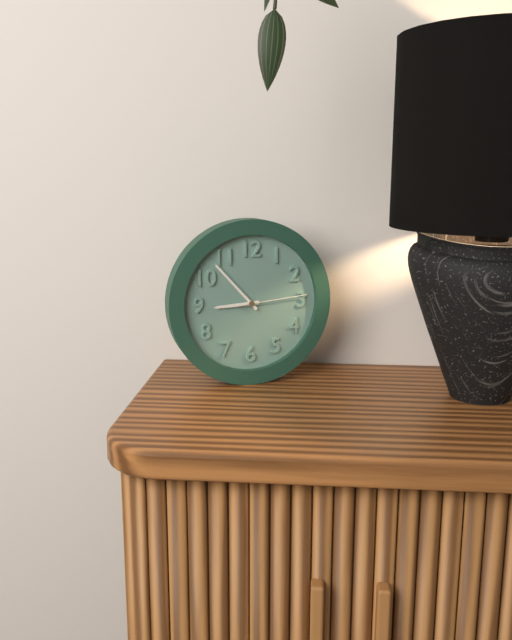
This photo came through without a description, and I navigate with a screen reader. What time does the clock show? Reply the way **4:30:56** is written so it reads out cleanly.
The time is **8:53:14**
